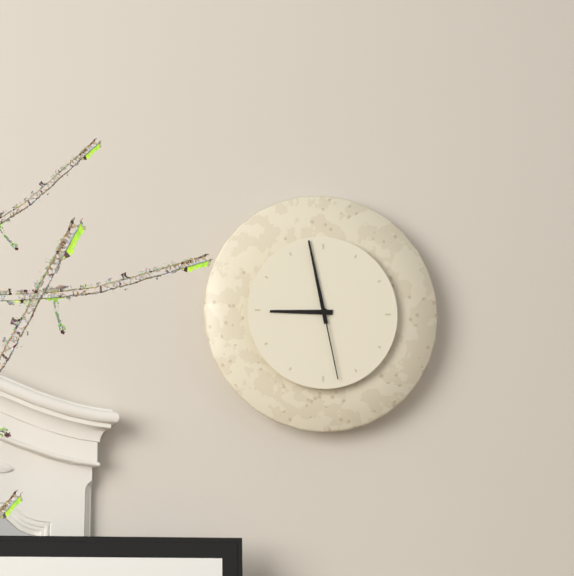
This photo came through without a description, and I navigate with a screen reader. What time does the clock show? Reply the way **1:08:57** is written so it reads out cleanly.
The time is **8:58:28**
